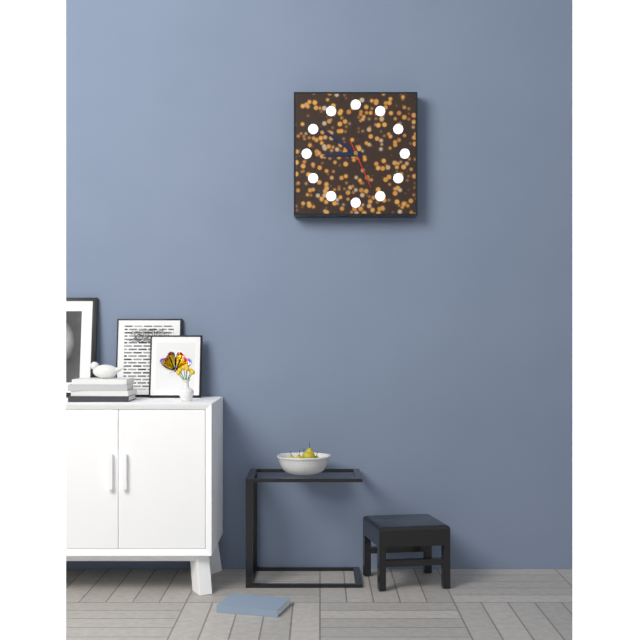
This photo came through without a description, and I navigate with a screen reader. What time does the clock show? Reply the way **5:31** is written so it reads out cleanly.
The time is **8:51**
